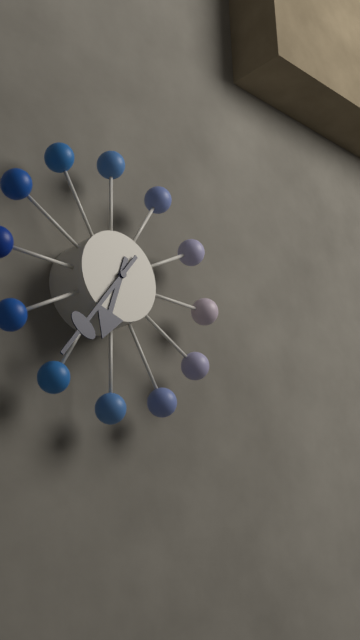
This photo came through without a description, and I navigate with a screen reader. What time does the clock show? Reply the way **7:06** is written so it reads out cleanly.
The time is **6:36**
